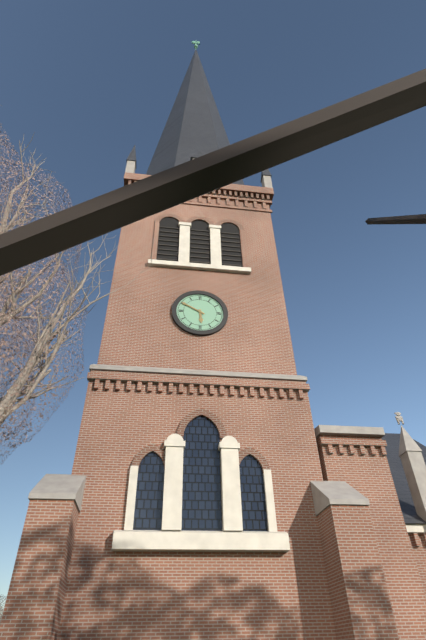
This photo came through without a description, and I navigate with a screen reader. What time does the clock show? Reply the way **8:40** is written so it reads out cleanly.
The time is **5:50**
